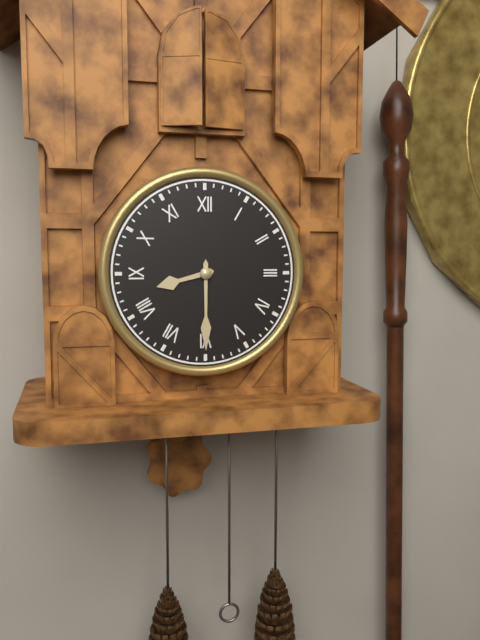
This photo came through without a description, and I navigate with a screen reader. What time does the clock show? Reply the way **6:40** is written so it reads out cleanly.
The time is **8:30**
